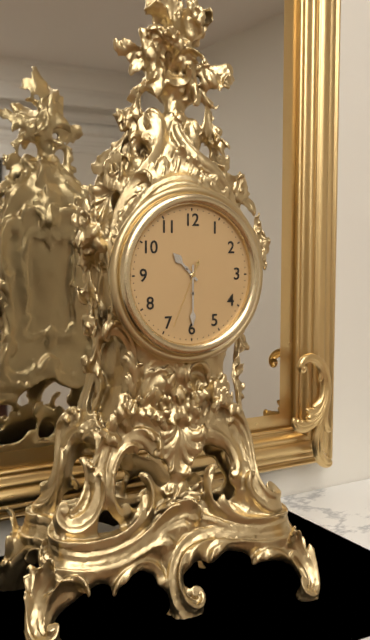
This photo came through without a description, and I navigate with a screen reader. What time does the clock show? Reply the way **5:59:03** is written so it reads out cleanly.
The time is **10:30:34**
